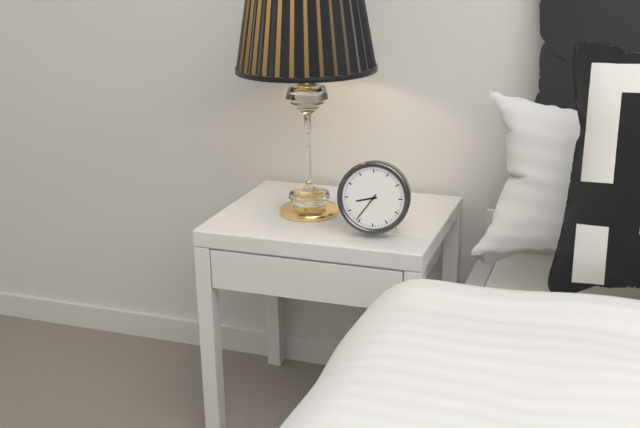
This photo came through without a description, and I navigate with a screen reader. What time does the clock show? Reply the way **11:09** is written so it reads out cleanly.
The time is **8:36**
